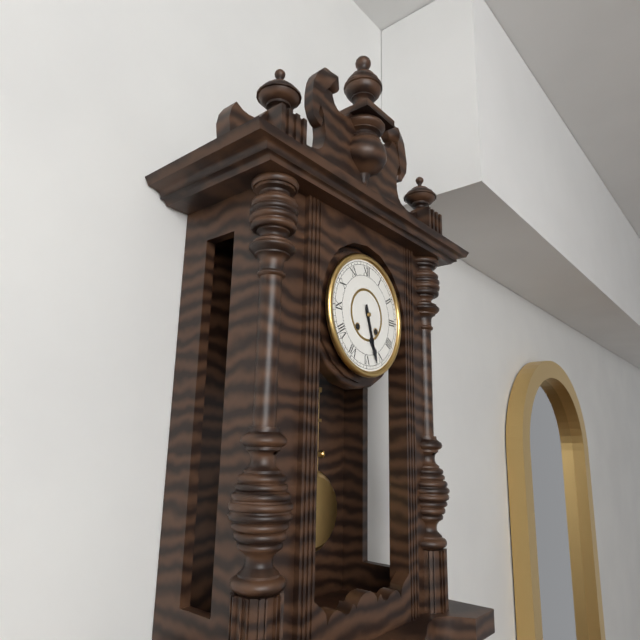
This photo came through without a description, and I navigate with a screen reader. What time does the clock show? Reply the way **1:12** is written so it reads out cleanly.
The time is **5:27**
